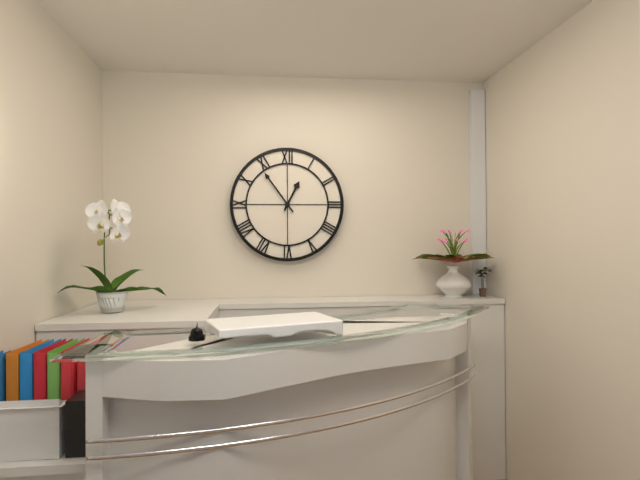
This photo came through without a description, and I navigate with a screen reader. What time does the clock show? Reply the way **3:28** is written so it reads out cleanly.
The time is **12:54**
